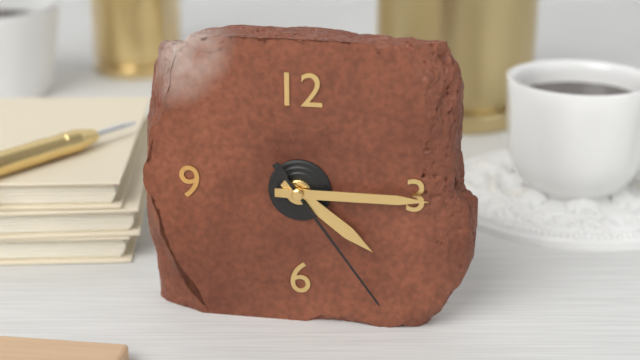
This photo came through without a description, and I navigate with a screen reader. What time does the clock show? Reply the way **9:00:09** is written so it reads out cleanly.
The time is **4:15:24**
